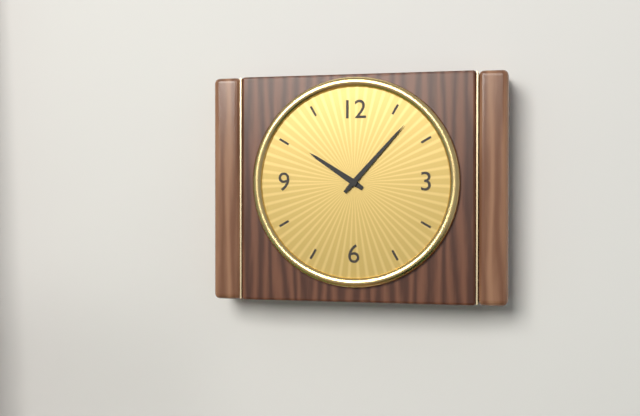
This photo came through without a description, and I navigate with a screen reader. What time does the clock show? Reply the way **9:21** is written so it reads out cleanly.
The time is **10:07**
